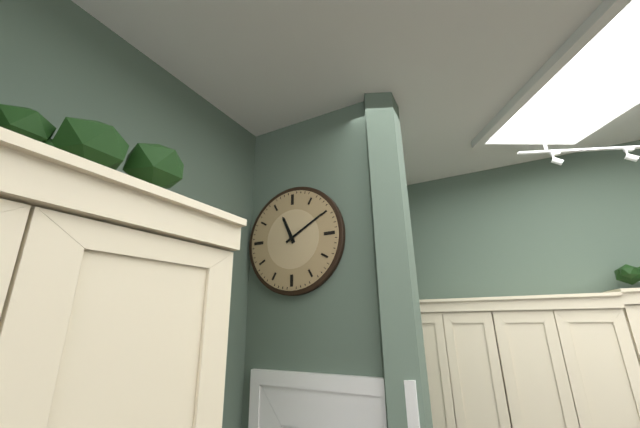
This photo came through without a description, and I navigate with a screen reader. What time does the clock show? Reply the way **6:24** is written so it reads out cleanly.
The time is **11:10**
